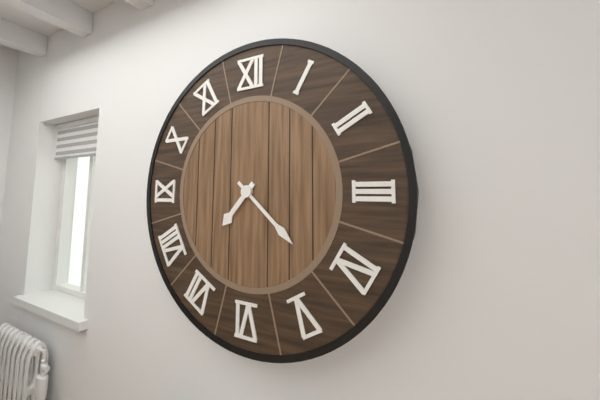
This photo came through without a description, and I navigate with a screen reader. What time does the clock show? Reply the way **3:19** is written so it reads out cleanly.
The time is **7:22**
